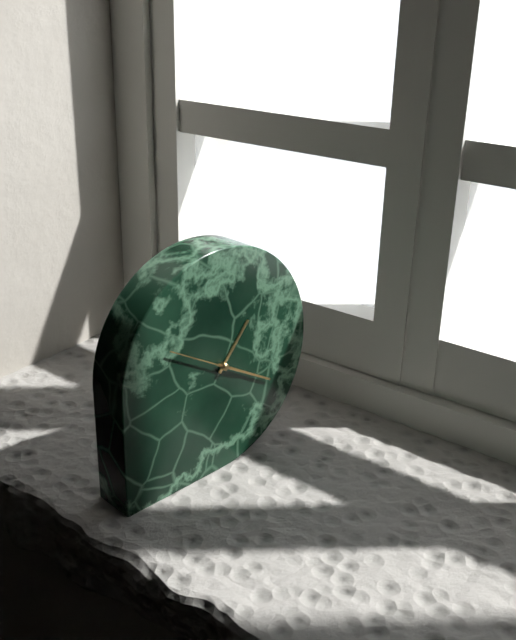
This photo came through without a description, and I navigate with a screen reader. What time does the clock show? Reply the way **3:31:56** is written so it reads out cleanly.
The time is **1:20:50**
